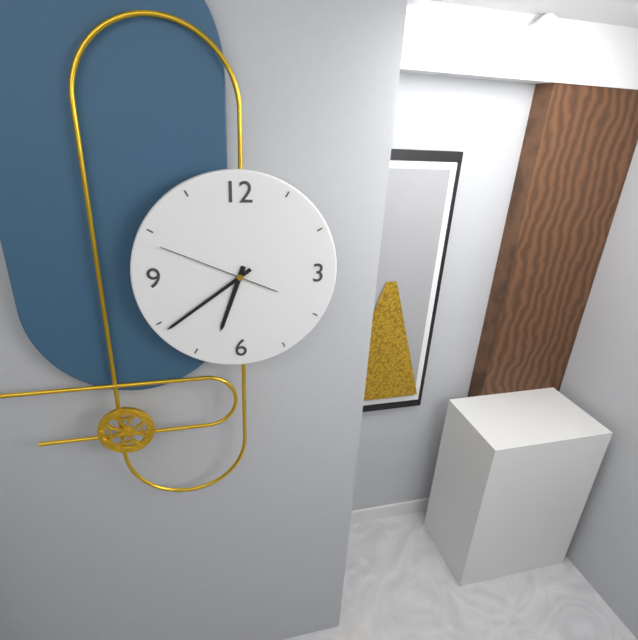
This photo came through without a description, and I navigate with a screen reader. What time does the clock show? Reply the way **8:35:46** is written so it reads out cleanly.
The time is **6:39:49**
